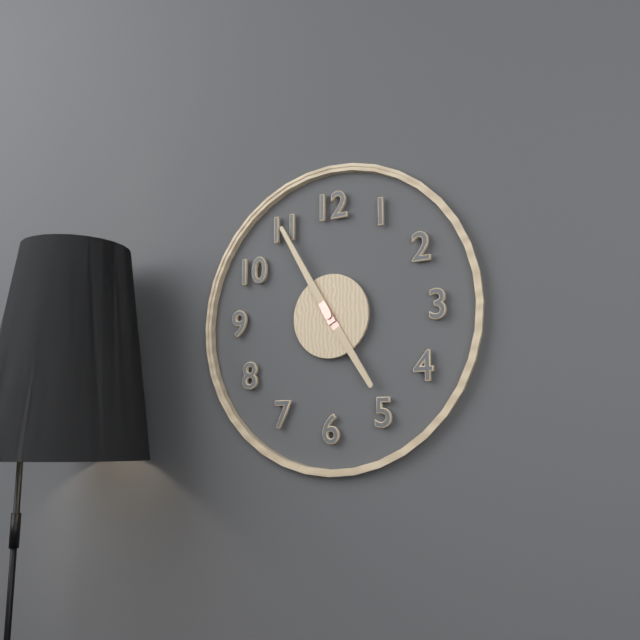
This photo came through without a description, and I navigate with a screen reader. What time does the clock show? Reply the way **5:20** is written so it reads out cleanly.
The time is **4:55**
